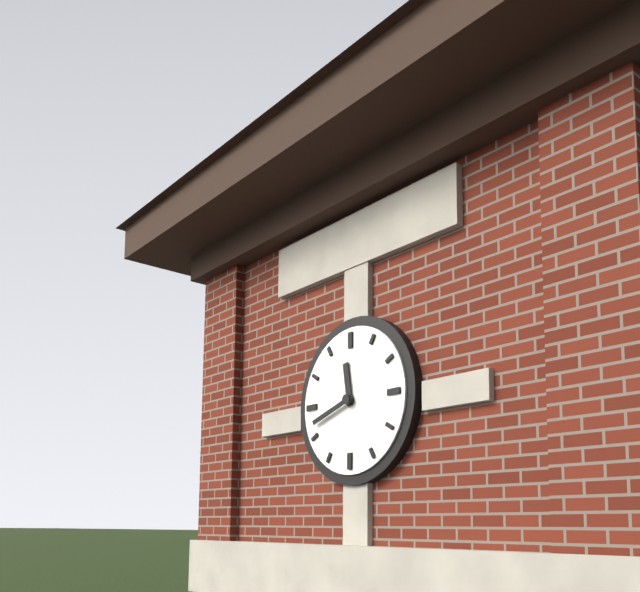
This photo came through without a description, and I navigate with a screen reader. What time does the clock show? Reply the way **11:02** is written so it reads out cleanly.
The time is **11:42**
